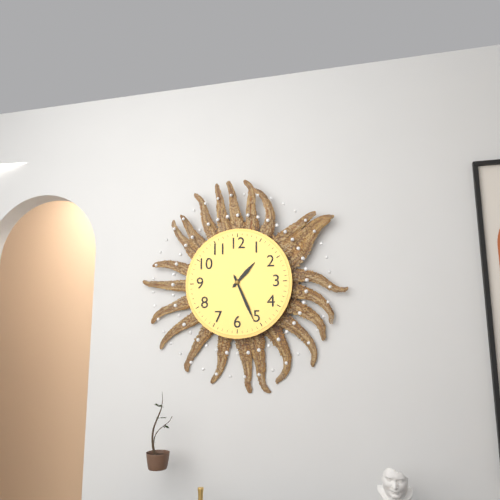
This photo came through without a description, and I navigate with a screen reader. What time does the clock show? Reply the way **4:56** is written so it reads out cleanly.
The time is **1:26**
